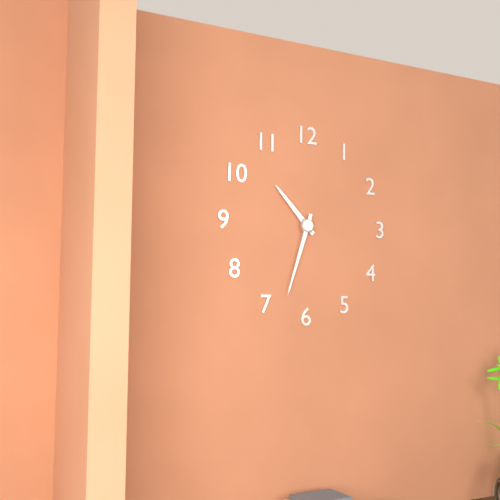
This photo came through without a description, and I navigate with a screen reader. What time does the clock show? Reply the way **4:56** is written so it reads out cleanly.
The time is **10:33**
